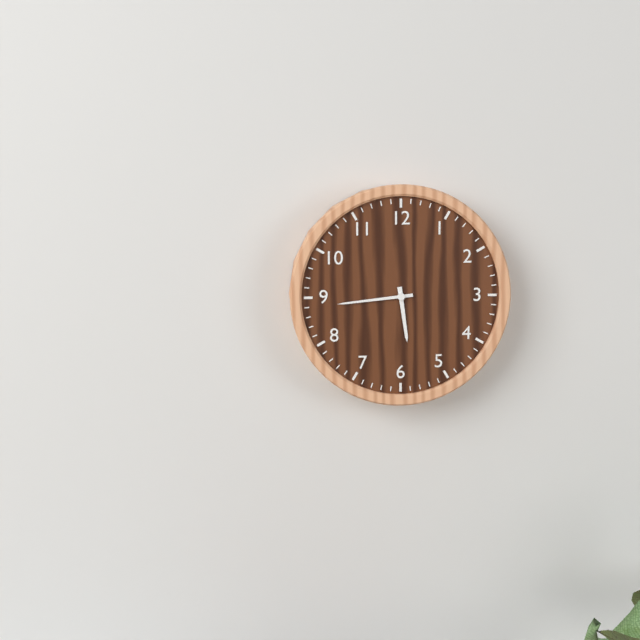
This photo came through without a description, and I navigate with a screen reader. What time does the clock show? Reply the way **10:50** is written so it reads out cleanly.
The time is **5:44**
